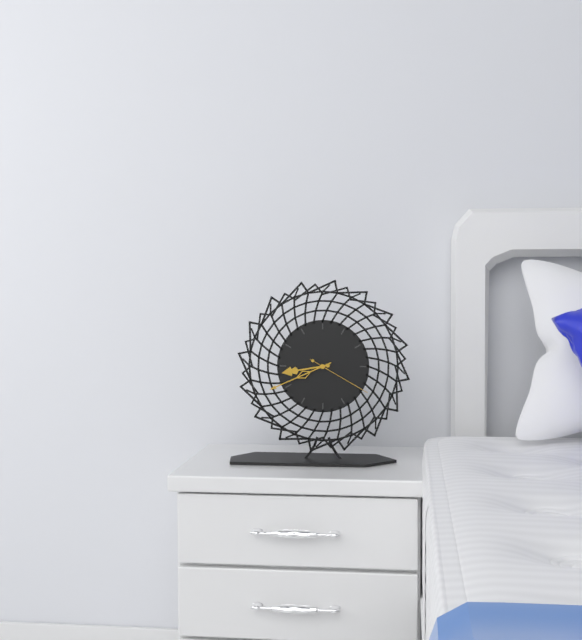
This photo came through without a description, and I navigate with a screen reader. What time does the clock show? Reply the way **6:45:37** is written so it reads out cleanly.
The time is **8:41:20**
